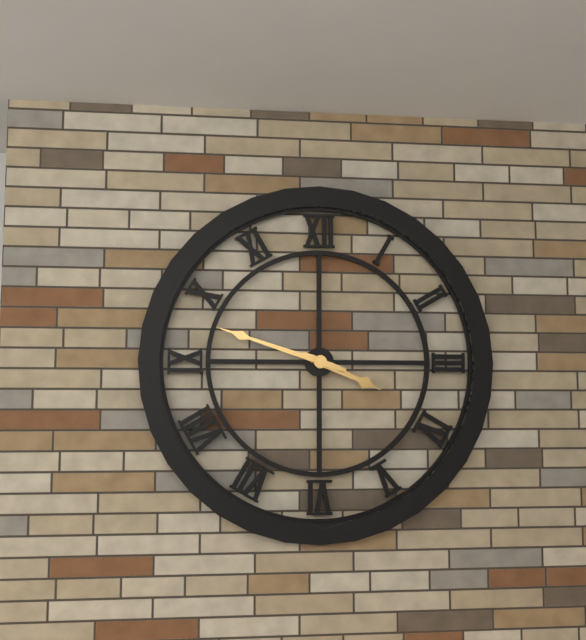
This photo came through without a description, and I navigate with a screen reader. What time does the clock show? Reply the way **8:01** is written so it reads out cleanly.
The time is **3:48**
